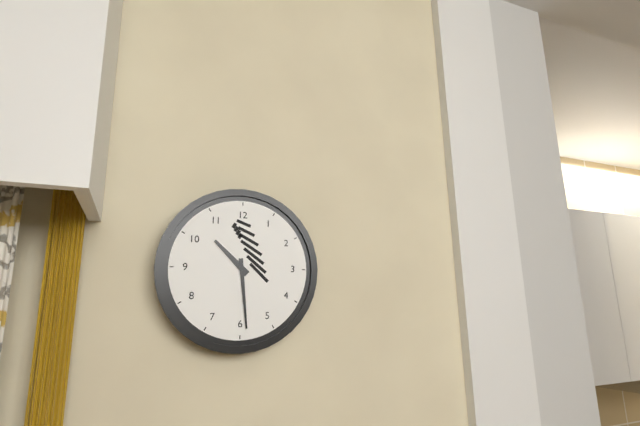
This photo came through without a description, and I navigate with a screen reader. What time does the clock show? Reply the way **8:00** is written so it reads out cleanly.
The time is **10:29**
